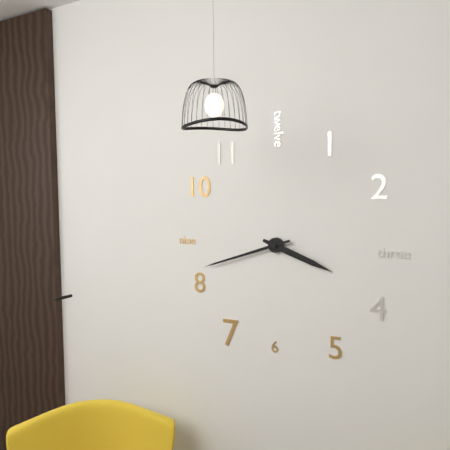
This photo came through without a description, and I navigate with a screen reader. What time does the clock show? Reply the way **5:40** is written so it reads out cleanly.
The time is **3:42**
